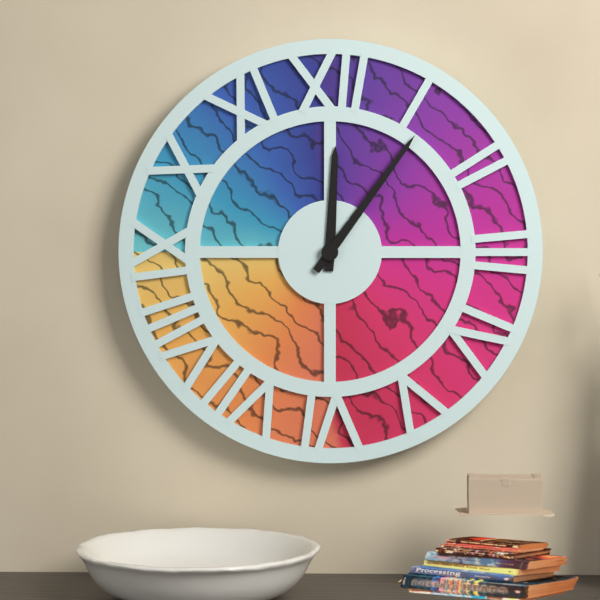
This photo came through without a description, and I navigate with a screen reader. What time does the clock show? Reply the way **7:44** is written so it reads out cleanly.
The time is **12:06**
